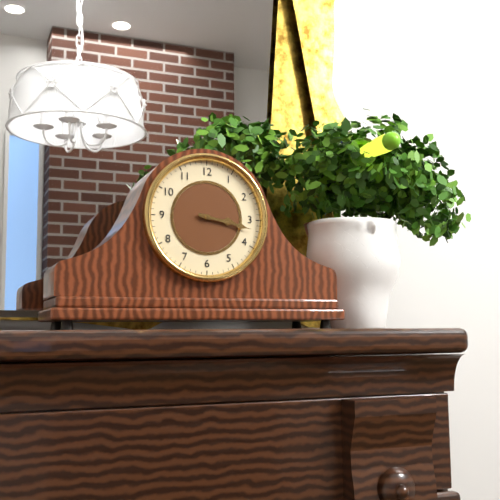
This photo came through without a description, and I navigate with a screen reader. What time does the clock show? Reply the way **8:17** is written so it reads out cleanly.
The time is **3:17**
